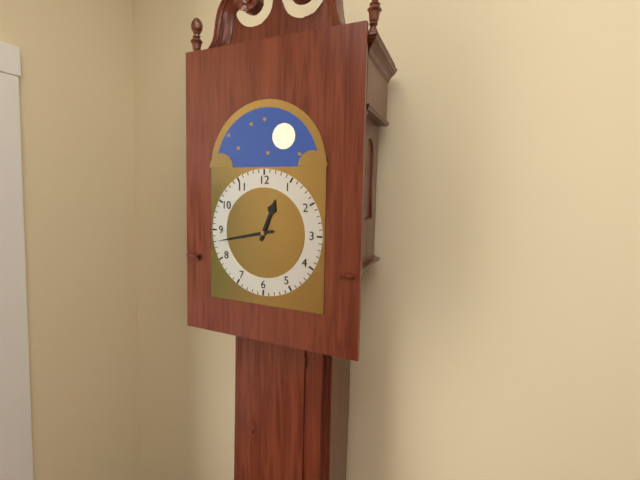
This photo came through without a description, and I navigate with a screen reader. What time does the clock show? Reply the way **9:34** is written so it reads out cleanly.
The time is **12:43**
